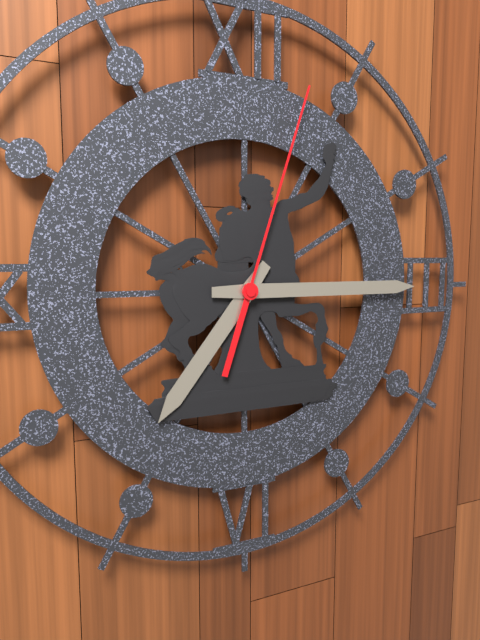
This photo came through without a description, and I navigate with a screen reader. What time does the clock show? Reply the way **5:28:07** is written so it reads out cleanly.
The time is **7:15:03**
